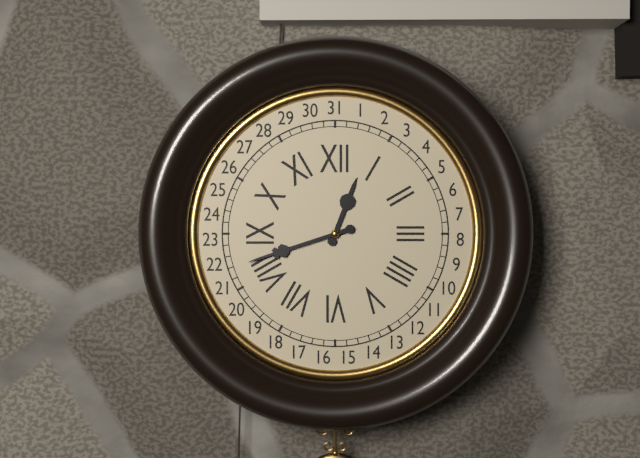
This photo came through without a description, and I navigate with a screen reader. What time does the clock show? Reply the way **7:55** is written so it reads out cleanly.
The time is **12:42**
